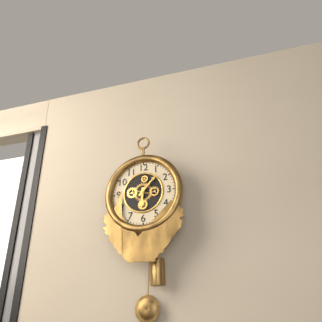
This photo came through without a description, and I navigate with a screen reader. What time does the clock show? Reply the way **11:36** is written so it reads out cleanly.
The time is **6:07**
